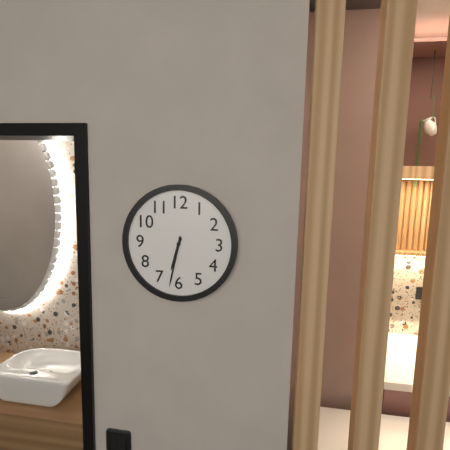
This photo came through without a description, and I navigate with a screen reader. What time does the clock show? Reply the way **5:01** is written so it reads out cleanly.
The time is **6:32**
